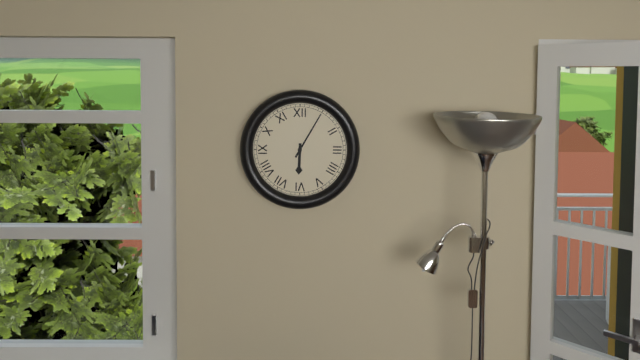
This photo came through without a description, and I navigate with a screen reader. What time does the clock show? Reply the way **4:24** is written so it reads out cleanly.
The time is **6:05**
